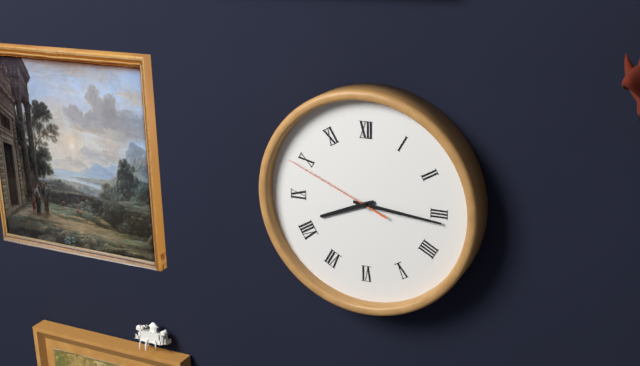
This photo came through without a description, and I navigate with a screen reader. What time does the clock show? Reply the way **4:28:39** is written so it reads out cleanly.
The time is **8:16:49**
